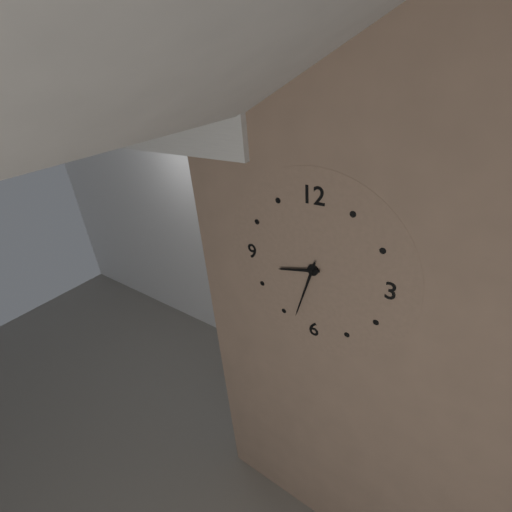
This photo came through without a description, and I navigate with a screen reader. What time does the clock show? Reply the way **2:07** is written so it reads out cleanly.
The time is **8:33**
